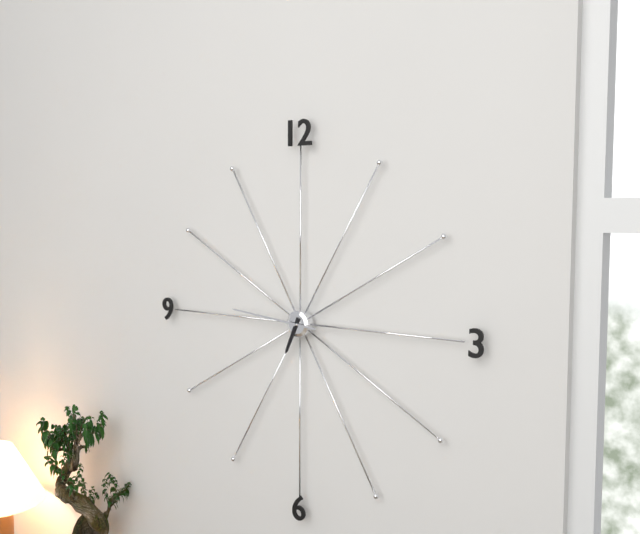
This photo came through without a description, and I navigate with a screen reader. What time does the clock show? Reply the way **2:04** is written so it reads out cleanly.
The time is **6:46**
